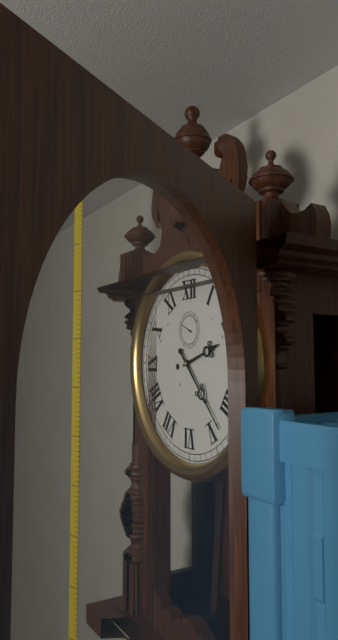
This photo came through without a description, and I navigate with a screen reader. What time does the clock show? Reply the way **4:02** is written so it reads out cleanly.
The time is **2:23**
